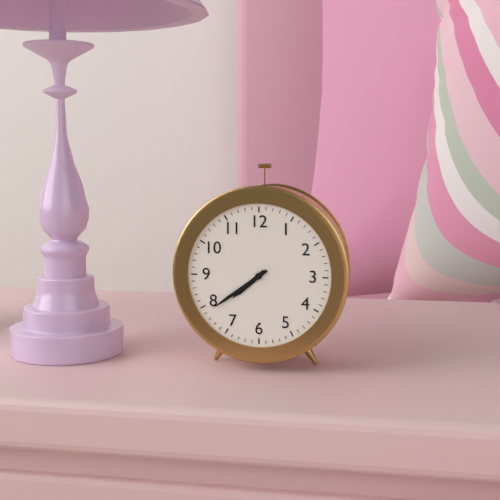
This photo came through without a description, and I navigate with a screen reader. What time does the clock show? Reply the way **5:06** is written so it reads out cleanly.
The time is **7:39**
